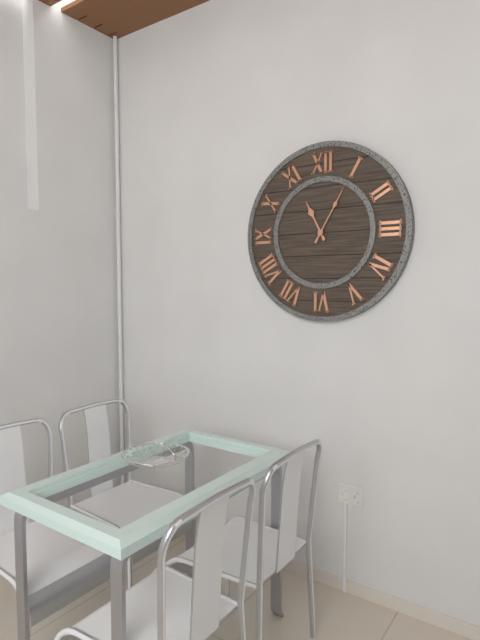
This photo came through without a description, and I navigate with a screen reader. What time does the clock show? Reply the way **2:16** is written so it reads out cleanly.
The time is **11:05**
